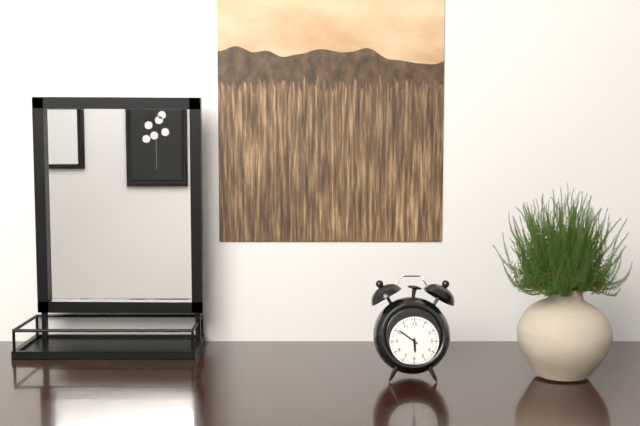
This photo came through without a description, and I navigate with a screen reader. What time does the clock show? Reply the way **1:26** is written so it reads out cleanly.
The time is **5:51**
